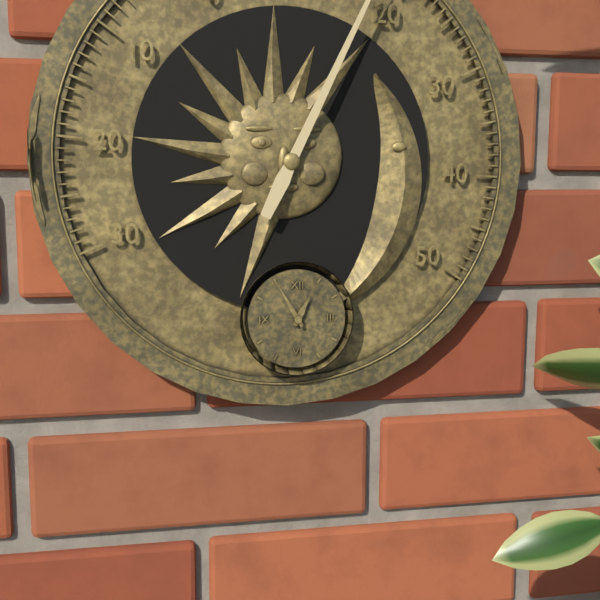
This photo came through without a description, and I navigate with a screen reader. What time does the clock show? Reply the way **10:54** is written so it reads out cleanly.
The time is **12:55**
